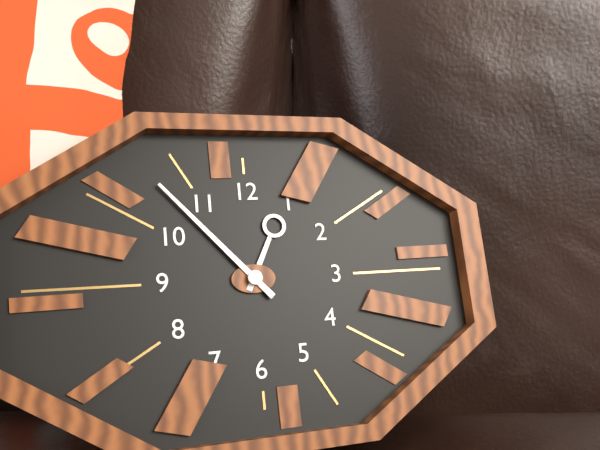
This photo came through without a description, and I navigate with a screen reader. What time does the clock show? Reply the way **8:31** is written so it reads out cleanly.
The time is **12:53**
